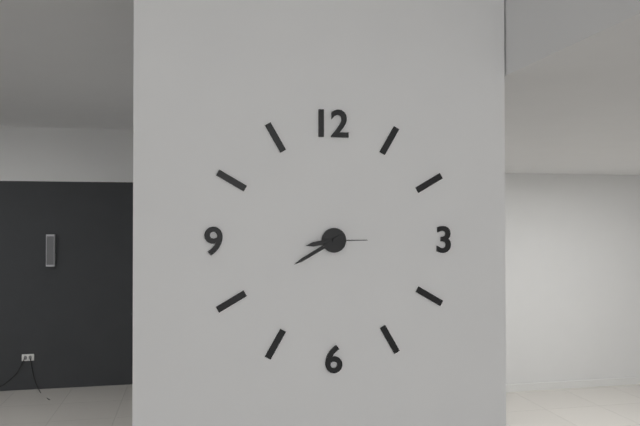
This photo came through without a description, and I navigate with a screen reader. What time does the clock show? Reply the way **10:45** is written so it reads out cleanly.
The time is **8:40**
